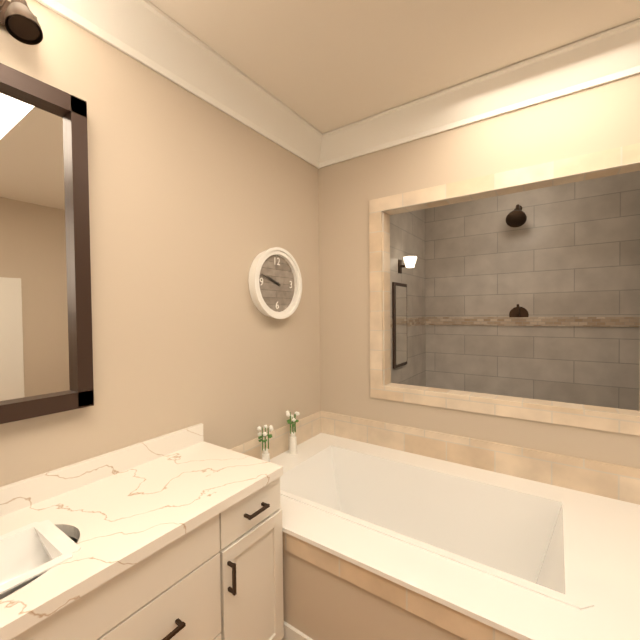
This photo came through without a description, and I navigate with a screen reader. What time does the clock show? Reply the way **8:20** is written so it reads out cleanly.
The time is **9:48**
